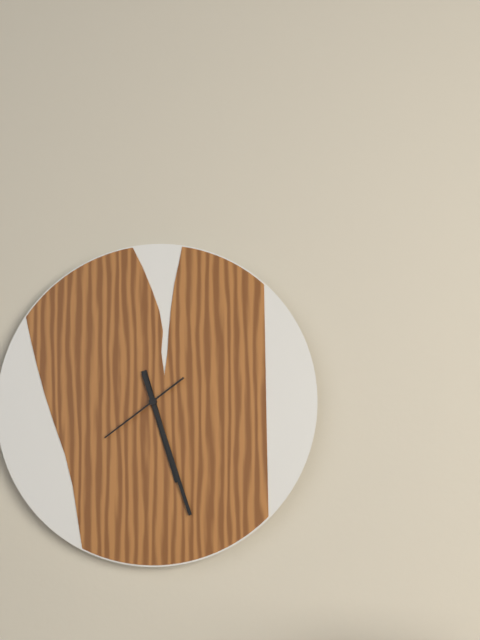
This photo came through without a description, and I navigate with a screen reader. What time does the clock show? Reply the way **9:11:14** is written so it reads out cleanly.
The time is **5:27:39**
